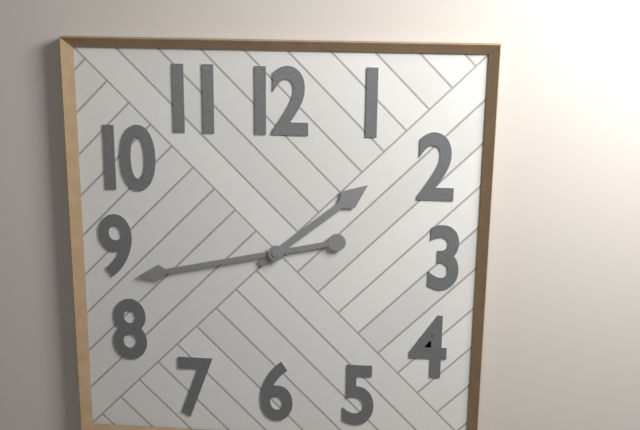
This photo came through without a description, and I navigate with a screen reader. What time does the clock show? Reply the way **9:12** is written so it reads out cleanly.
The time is **1:43**
